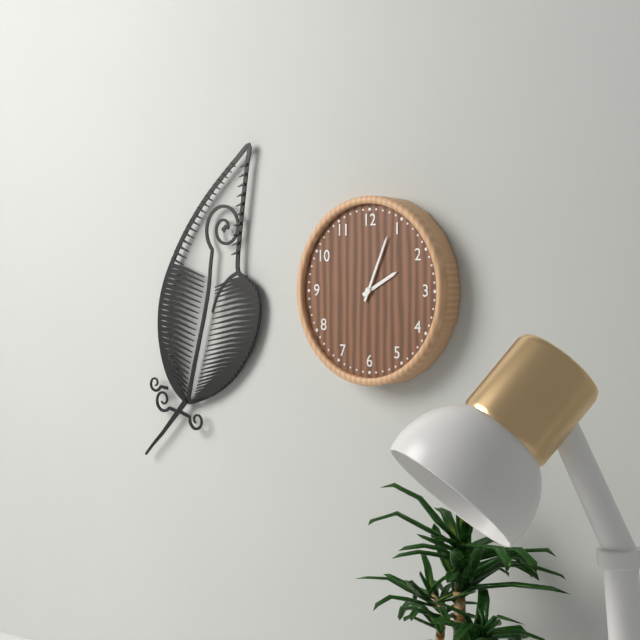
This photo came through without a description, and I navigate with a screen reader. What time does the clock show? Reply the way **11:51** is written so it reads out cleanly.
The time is **2:04**
